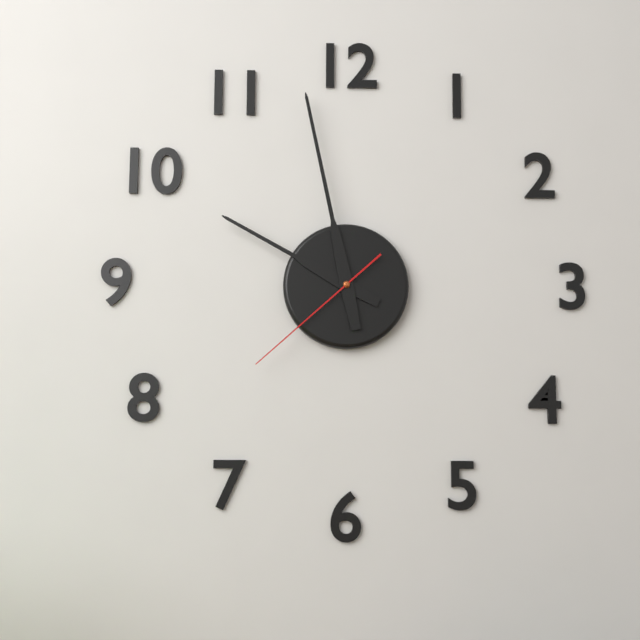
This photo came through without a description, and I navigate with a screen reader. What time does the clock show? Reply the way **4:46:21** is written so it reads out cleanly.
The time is **9:58:38**
